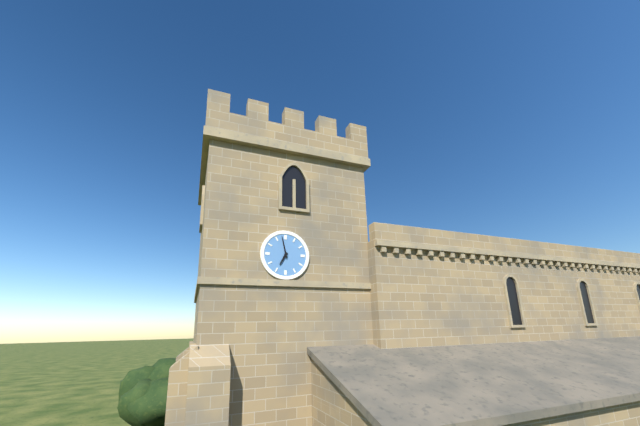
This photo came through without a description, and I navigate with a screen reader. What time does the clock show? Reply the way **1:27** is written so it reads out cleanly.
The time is **6:58**
